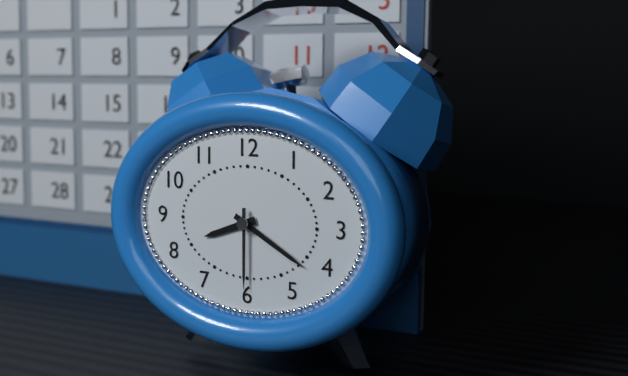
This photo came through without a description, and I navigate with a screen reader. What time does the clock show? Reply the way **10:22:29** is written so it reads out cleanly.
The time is **8:20:30**
